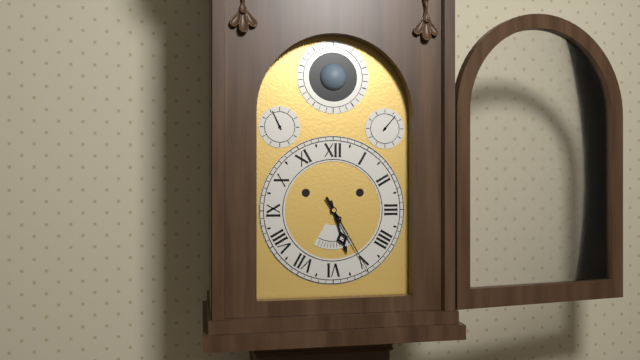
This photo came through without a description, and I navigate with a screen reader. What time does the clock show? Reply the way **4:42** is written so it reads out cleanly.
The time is **5:25**
